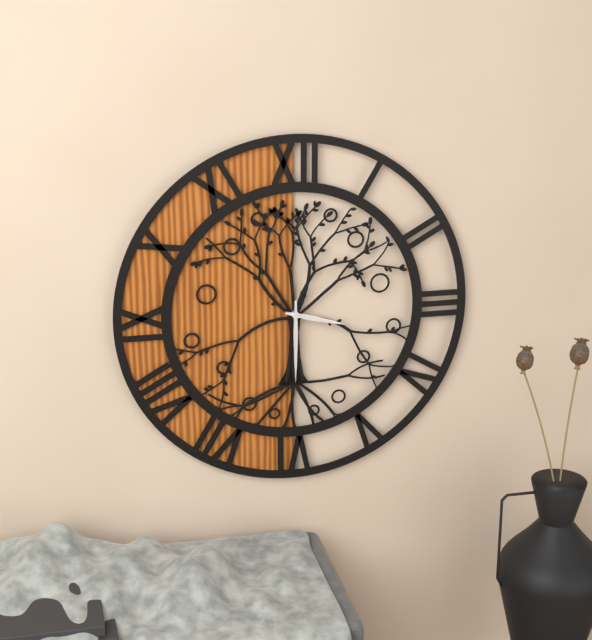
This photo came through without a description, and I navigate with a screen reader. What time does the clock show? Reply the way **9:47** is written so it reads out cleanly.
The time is **3:30**
